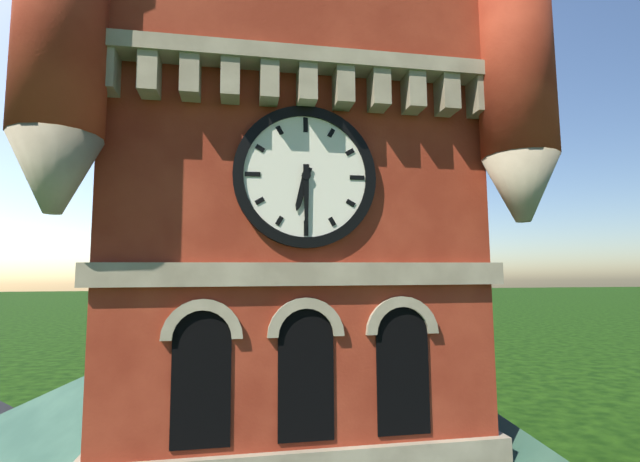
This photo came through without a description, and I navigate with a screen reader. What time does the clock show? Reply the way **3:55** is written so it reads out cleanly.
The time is **6:30**
